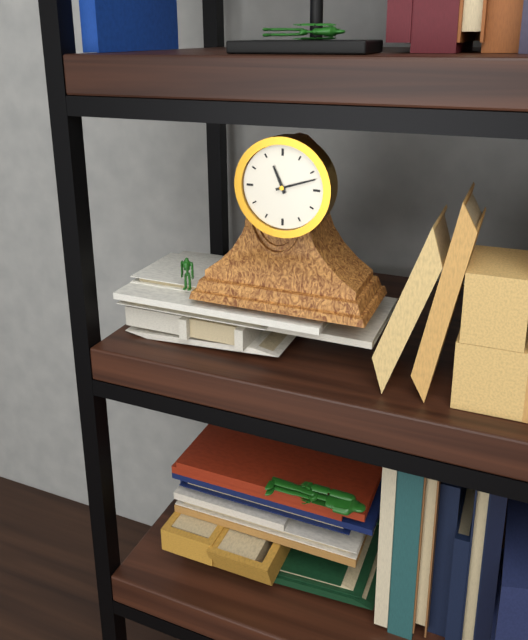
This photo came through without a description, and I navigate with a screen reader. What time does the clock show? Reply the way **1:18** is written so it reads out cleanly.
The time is **11:12**
